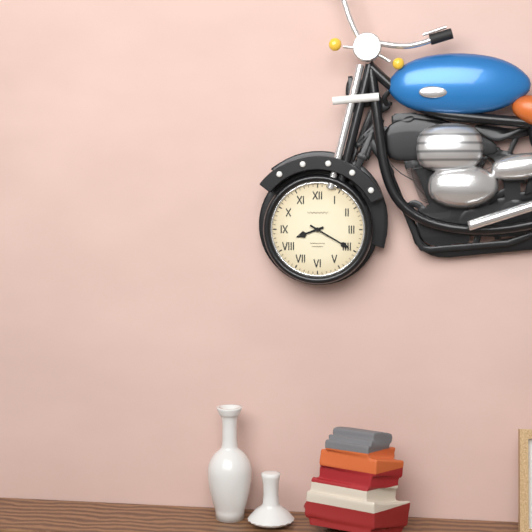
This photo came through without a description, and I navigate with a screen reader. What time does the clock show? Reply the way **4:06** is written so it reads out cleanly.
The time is **8:20**
